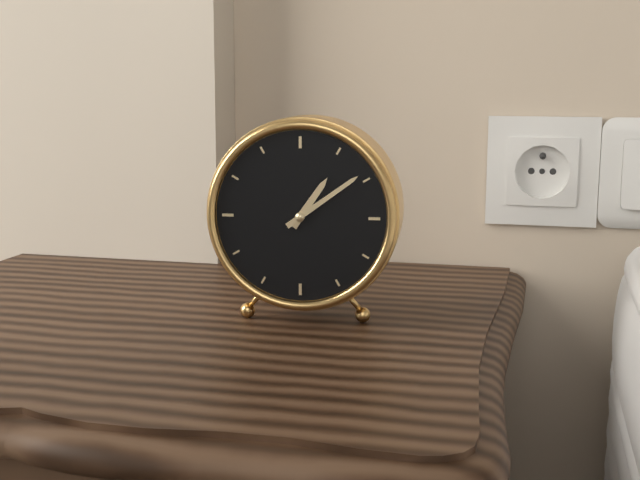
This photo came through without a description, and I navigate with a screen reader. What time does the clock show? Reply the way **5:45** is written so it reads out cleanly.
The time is **1:09**
